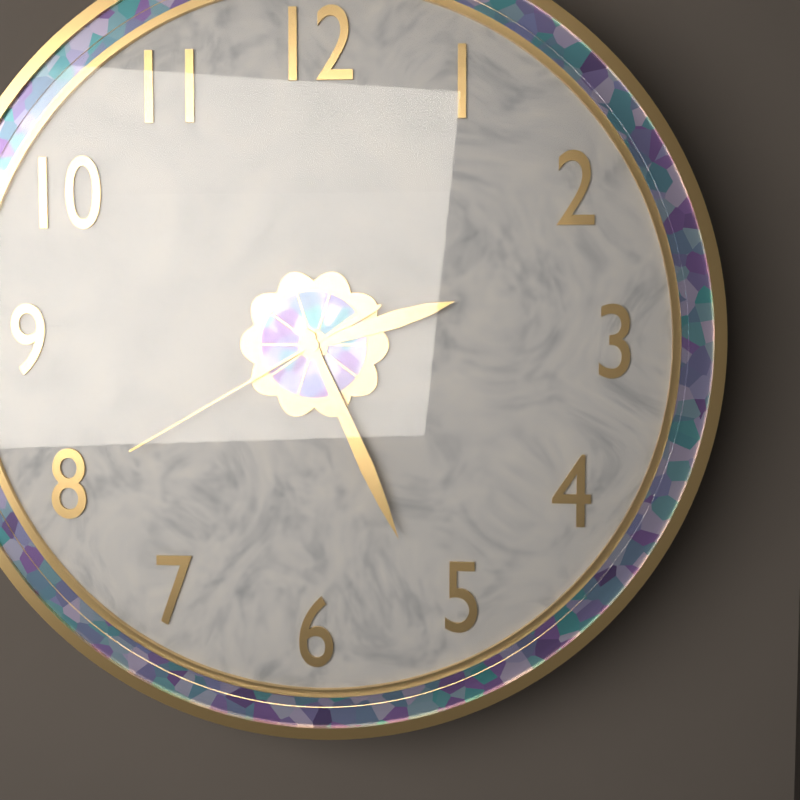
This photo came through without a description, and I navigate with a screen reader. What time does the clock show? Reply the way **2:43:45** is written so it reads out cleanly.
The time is **2:26:40**
